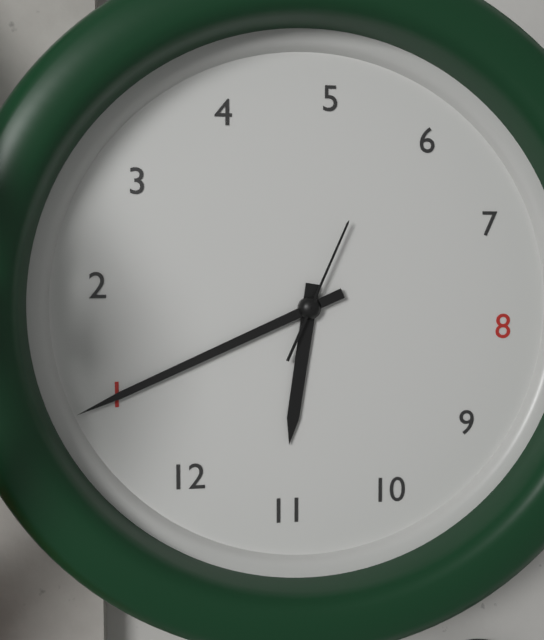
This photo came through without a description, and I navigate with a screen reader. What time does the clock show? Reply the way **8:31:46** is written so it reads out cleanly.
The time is **11:05:28**
